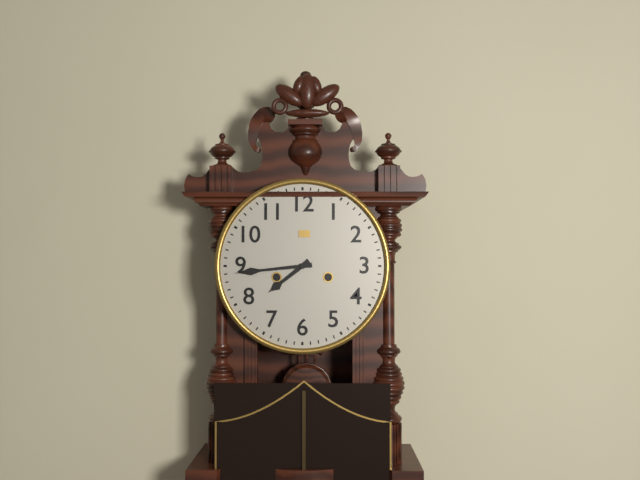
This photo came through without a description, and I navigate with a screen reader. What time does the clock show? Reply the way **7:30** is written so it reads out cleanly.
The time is **7:44**
